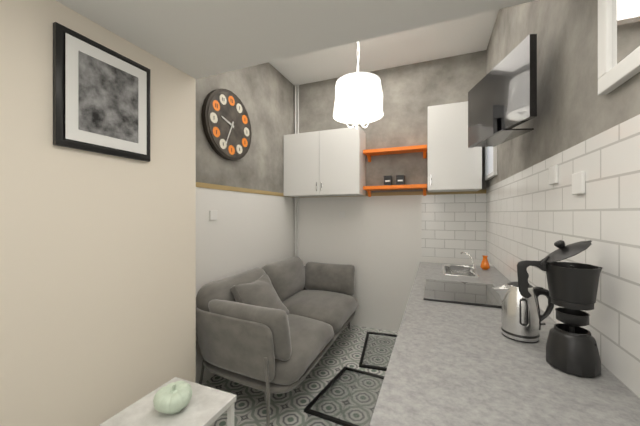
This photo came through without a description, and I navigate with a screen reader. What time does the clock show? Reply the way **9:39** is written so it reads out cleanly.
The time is **9:34**
